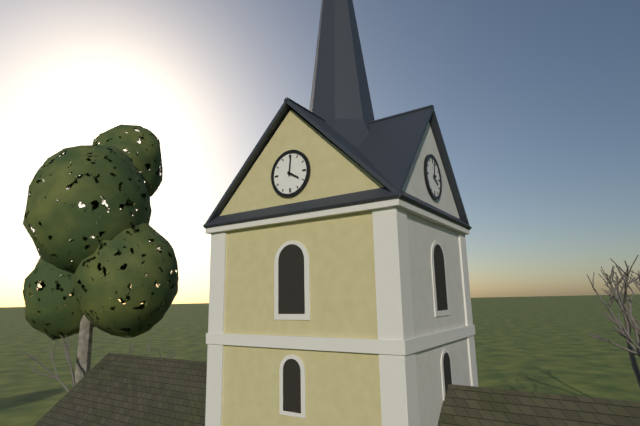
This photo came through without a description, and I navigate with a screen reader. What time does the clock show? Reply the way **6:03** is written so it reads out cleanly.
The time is **4:01**
